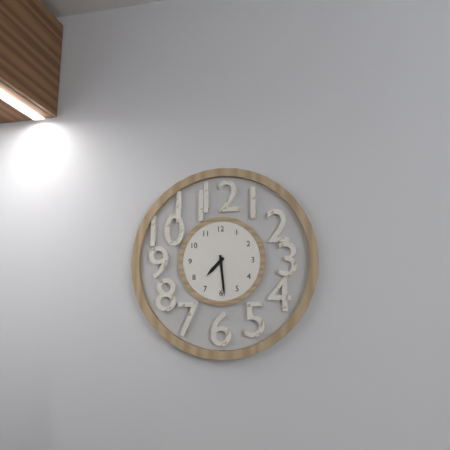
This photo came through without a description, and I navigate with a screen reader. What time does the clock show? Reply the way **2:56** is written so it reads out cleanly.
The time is **7:29**
